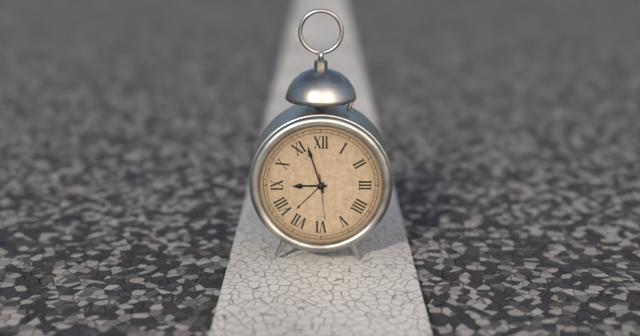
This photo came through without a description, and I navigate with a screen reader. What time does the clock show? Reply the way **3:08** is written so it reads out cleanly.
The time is **8:57**
